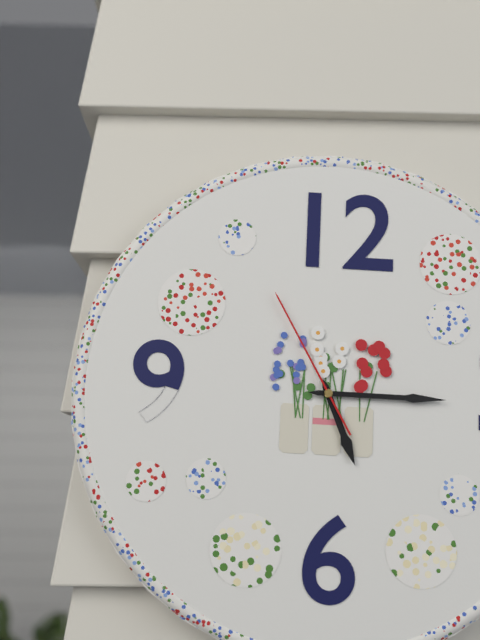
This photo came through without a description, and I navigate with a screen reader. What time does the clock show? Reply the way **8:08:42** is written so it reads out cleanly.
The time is **5:15:55**
